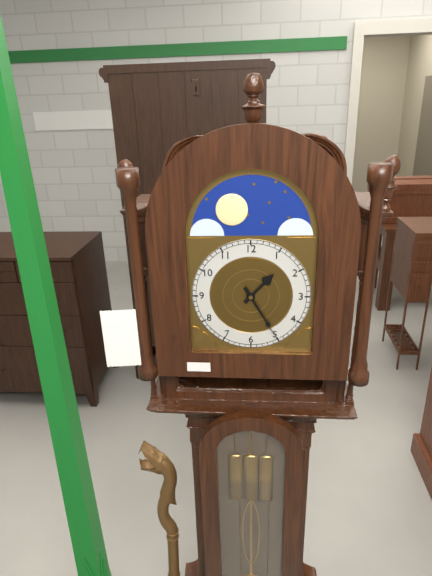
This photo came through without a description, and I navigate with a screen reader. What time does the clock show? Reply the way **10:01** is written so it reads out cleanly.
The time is **1:25**
